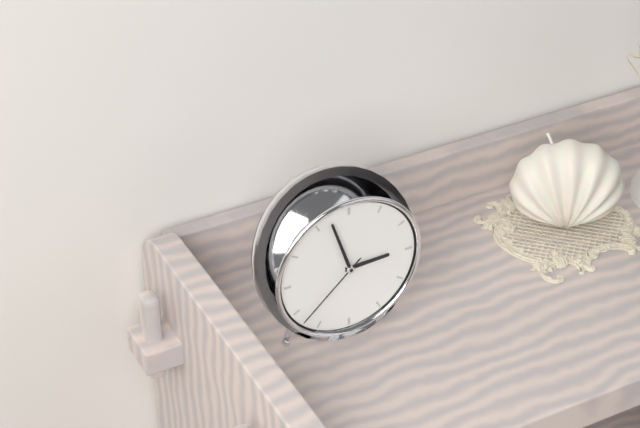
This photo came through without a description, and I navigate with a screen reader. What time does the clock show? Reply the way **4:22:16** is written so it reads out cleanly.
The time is **2:57:38**
